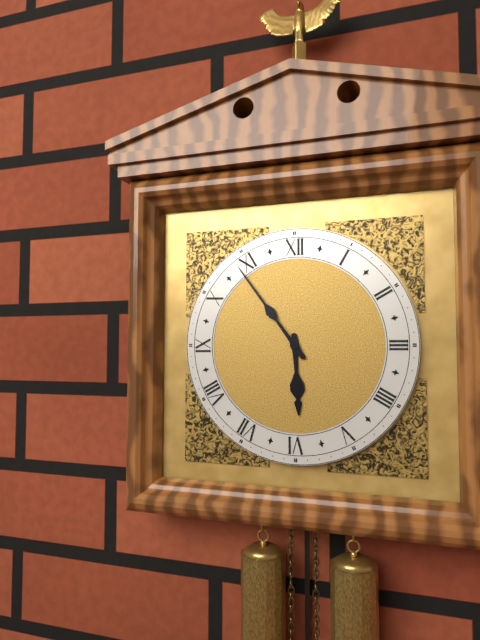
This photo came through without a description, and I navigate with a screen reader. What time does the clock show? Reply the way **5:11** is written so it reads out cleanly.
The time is **5:54**
